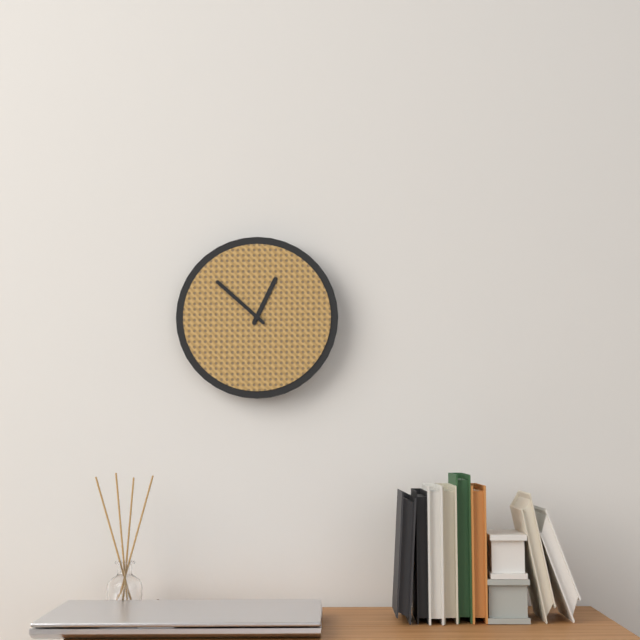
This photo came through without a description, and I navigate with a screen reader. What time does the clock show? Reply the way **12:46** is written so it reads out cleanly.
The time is **12:52**
